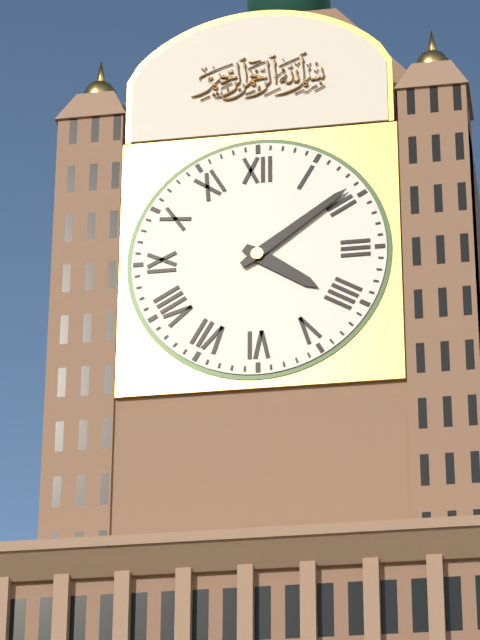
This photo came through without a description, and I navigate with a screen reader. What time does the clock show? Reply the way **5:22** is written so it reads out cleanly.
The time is **4:09**
